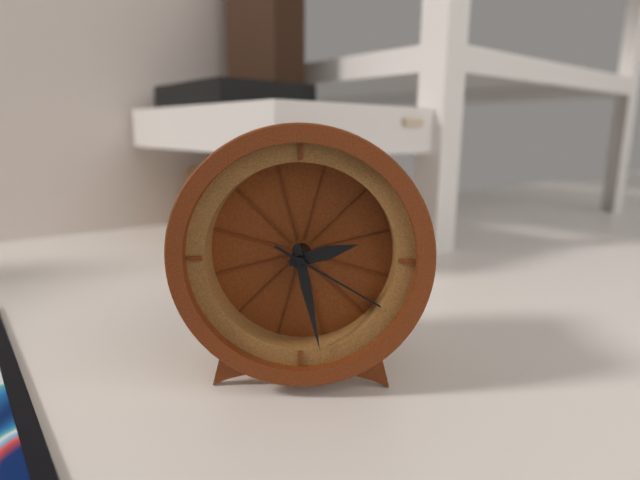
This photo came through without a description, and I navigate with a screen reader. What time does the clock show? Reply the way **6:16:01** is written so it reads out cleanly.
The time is **2:28:20**
